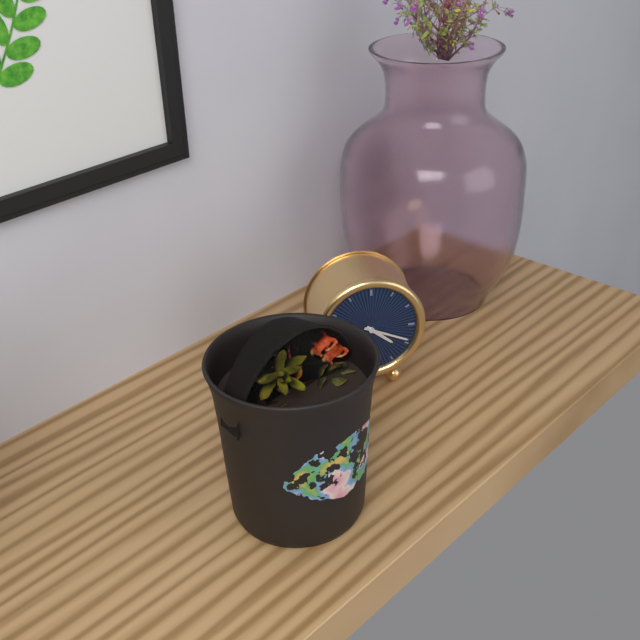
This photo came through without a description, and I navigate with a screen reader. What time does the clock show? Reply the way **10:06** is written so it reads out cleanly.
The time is **4:19**
